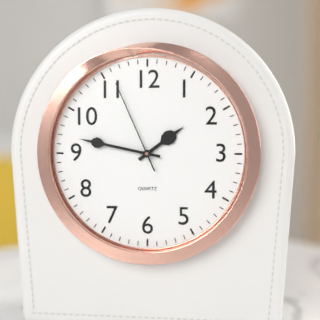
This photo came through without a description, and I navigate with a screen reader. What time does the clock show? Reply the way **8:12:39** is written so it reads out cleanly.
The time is **1:47:56**
